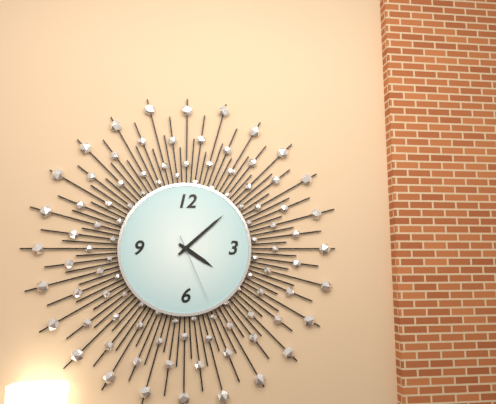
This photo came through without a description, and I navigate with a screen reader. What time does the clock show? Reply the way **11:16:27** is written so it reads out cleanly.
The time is **4:08:26**
